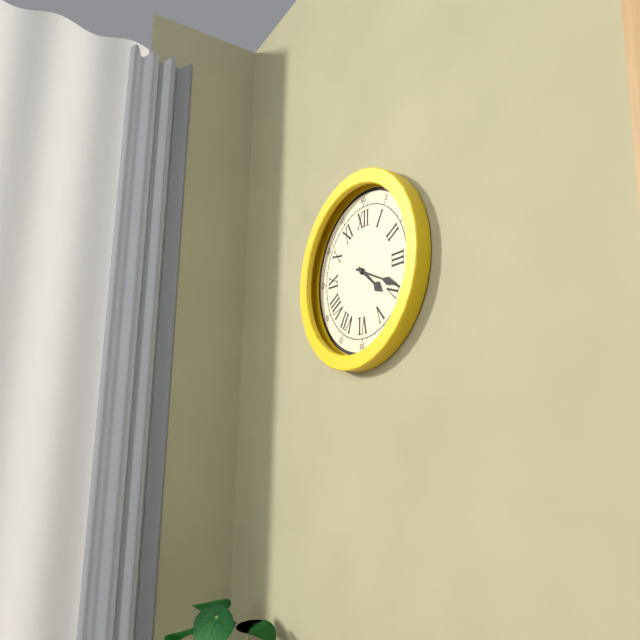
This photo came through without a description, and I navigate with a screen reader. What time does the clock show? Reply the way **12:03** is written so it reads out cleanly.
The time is **4:19**
